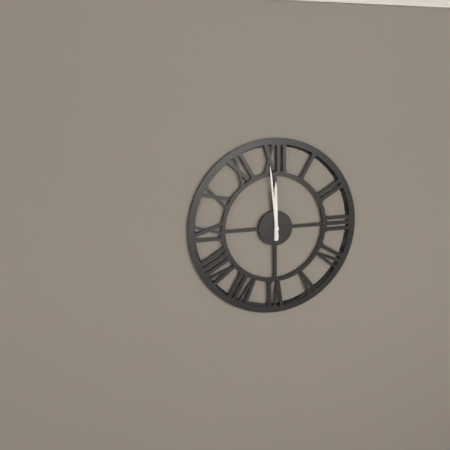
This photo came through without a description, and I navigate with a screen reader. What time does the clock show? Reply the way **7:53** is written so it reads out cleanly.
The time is **11:59**
